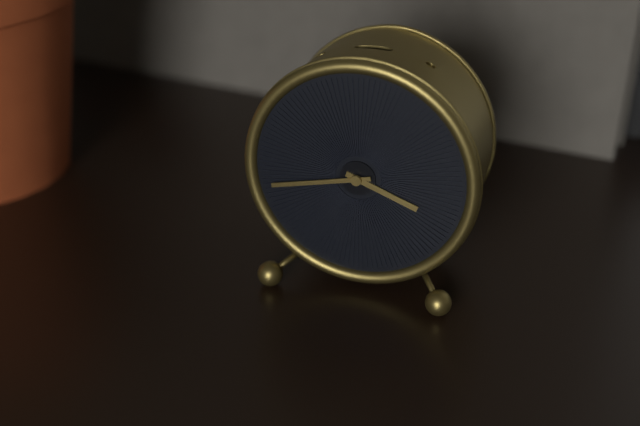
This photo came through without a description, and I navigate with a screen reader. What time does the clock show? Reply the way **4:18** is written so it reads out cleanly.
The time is **3:43**
